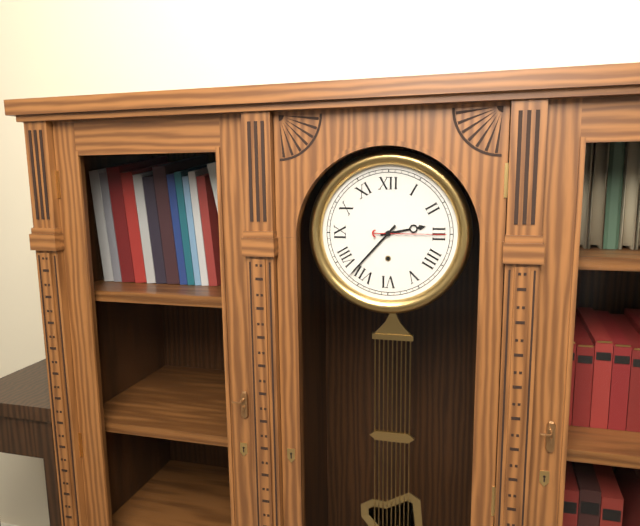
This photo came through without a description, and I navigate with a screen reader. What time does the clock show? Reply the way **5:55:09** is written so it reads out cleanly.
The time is **2:37:15**
